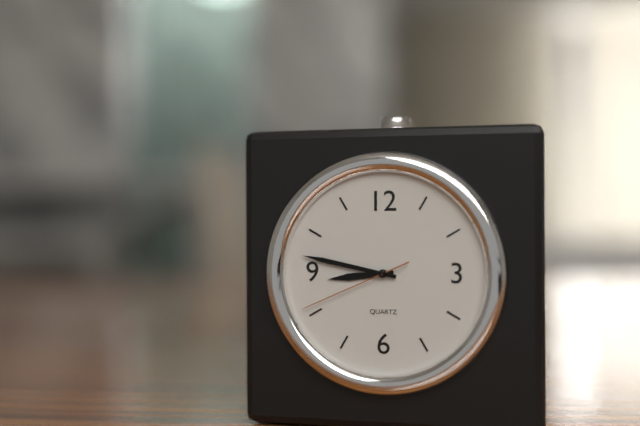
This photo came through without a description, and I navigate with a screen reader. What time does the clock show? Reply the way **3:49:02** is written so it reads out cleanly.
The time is **8:47:41**
